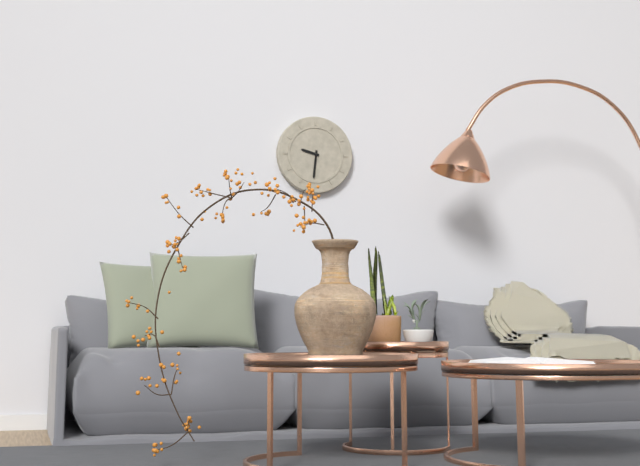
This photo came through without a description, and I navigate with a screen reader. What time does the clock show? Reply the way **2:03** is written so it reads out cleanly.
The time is **9:31**
